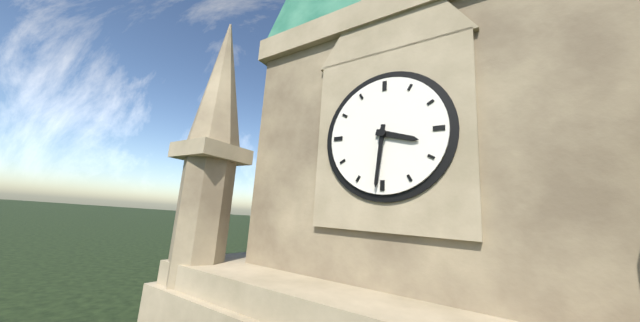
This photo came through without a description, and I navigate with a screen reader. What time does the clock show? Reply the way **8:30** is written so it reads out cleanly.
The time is **3:31**
